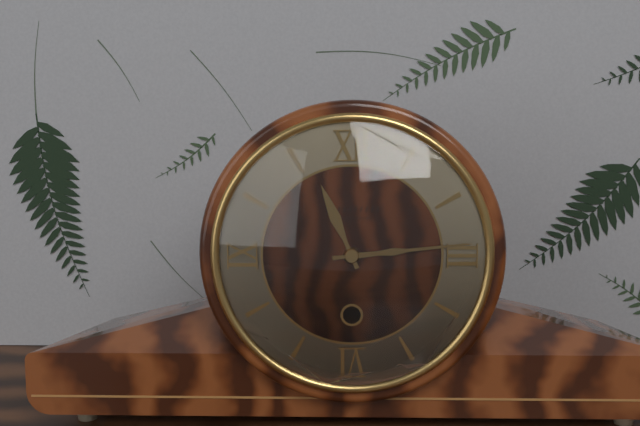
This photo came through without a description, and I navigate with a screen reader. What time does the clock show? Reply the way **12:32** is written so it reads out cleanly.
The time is **11:14**
